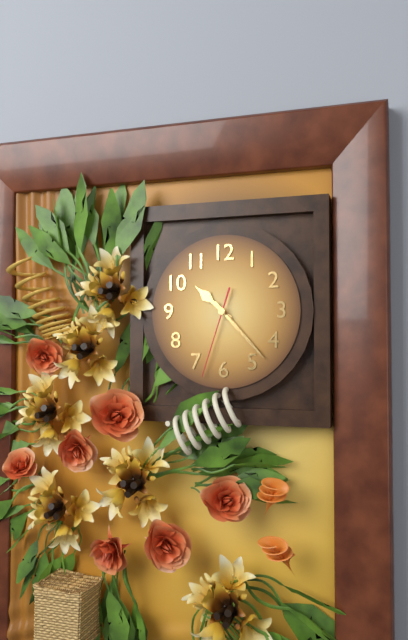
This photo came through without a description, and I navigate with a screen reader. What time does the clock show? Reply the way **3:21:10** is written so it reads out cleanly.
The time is **10:23:33**
